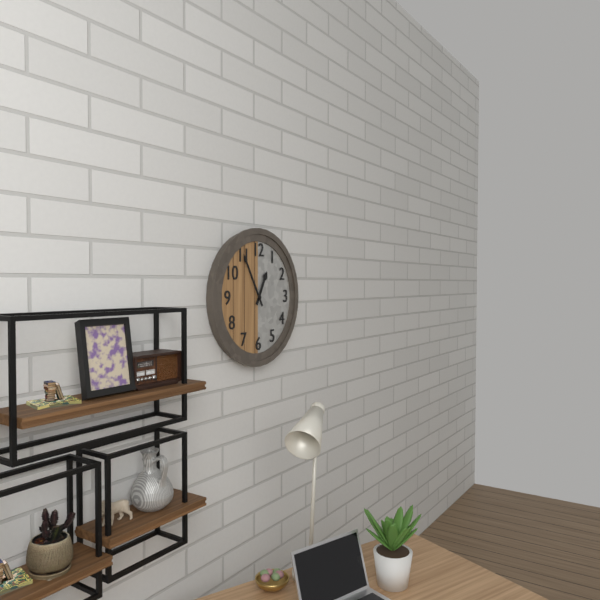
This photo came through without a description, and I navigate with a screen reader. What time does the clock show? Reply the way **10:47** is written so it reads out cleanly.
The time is **12:55**
